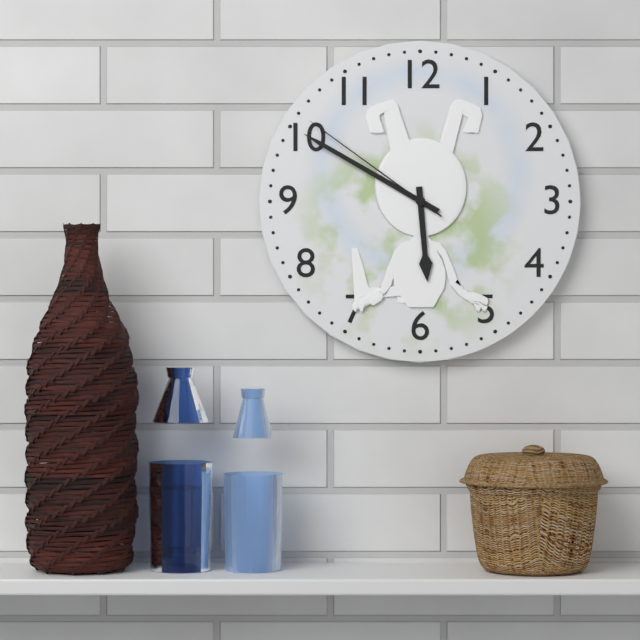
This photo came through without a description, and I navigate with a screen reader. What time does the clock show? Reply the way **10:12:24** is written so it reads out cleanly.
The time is **5:50:51**
